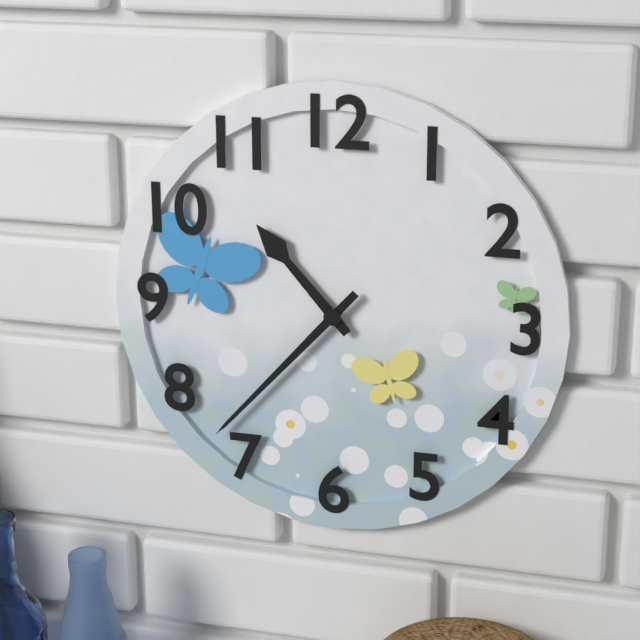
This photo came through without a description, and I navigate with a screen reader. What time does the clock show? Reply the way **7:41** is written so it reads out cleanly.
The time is **10:37**
